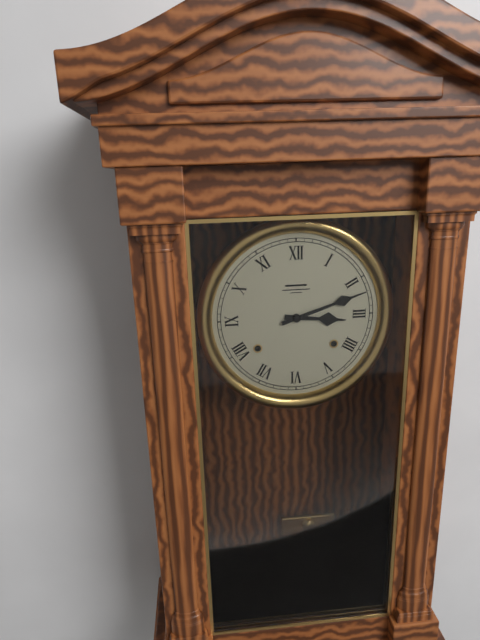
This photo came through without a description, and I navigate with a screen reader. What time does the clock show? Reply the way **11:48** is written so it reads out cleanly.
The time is **3:12**
